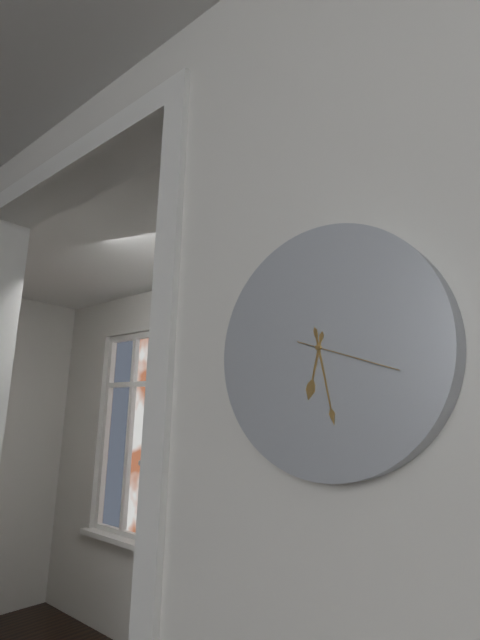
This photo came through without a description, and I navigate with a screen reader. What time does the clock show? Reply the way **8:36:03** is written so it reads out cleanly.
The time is **6:28:18**
